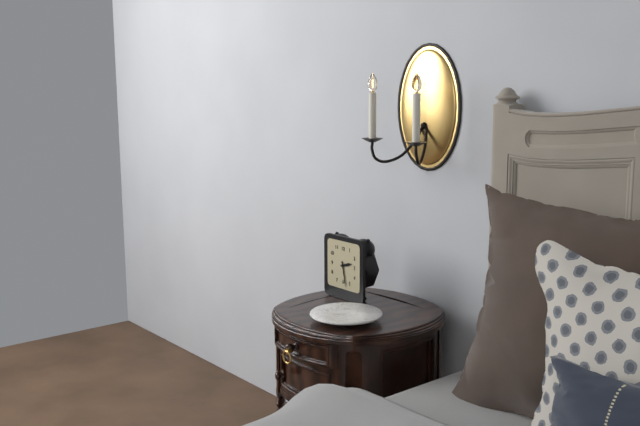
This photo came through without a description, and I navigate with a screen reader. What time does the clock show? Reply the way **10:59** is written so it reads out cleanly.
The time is **2:28**
